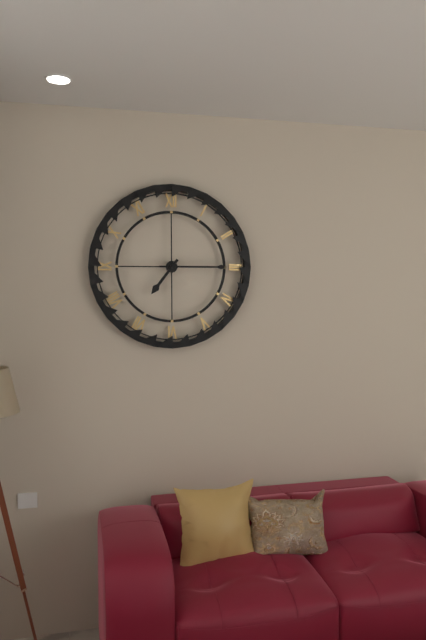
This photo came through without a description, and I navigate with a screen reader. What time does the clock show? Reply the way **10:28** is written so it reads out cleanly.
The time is **7:15**
